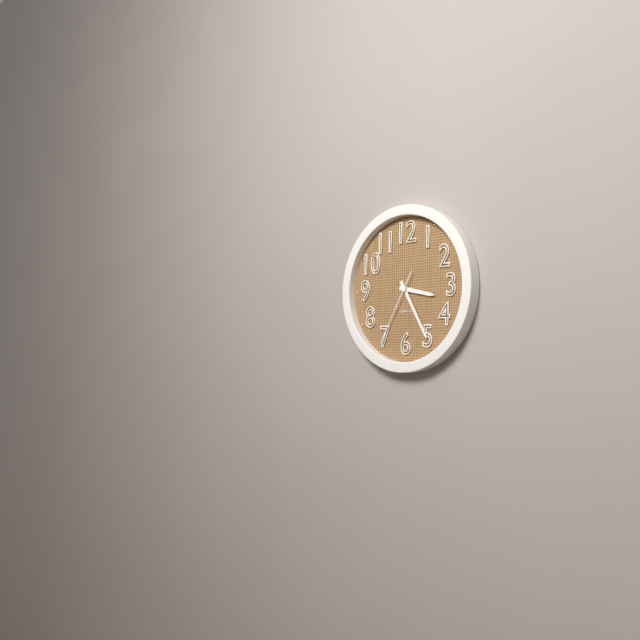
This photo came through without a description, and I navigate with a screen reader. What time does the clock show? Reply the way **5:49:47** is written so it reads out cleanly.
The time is **3:25:35**
